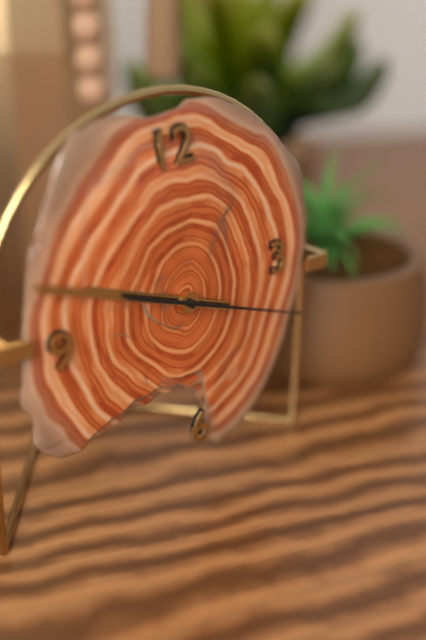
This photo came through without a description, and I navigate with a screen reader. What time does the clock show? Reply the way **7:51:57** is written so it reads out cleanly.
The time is **9:49:19**
